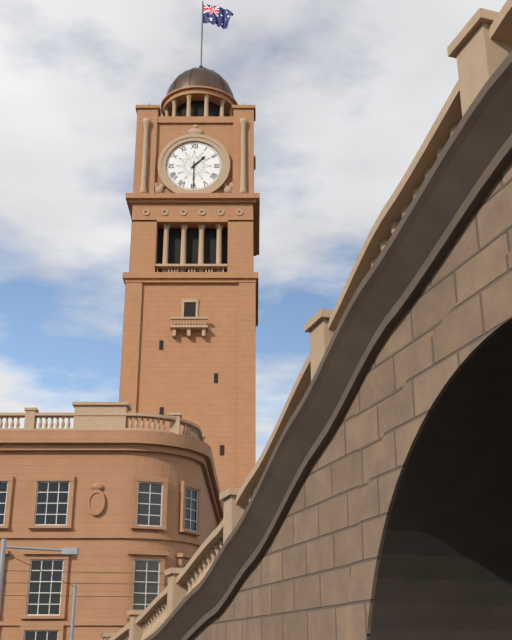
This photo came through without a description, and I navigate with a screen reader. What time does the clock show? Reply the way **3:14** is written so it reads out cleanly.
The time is **1:30**
